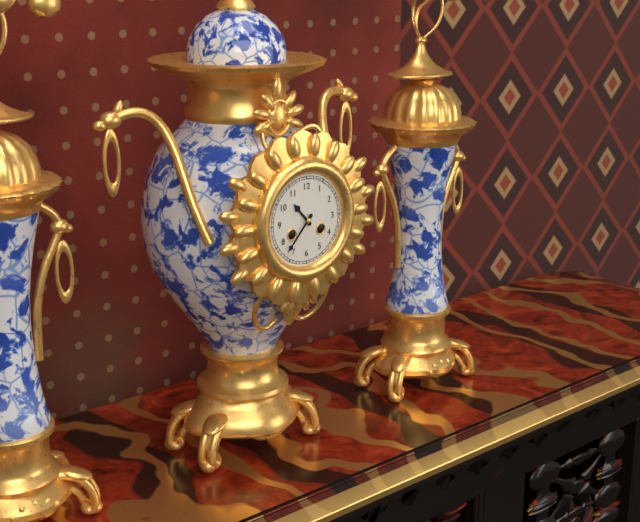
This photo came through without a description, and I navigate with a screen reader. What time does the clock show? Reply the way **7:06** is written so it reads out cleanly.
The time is **10:37**
